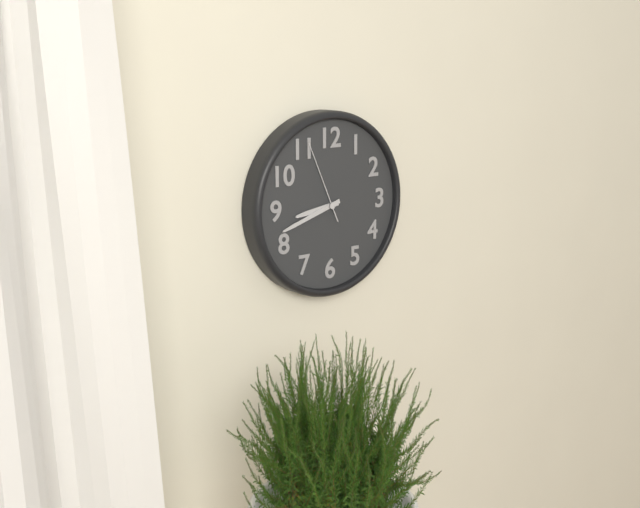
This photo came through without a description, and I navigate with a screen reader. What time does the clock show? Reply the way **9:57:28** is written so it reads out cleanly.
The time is **8:42:56**
